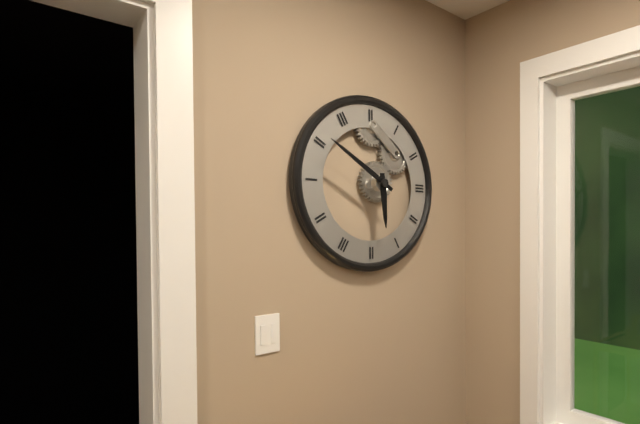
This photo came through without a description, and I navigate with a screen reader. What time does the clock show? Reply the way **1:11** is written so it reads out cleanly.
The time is **5:50**
